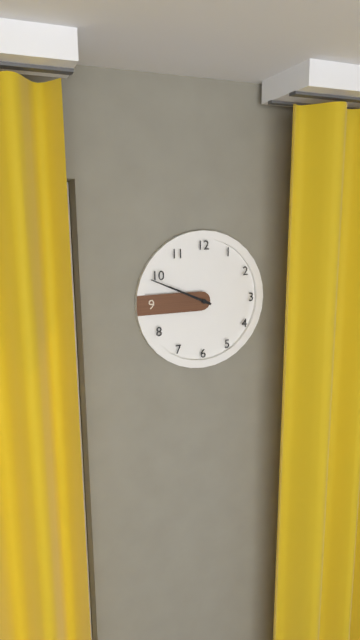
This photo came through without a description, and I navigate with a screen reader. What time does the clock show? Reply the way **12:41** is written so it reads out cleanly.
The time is **9:49**
